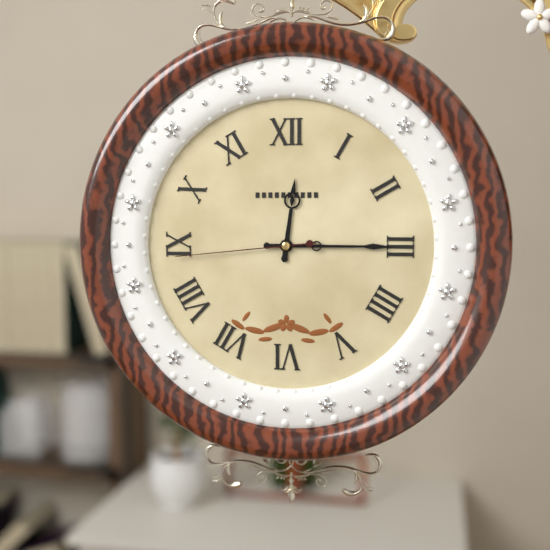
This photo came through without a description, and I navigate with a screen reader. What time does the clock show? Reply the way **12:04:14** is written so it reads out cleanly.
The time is **12:15:44**
